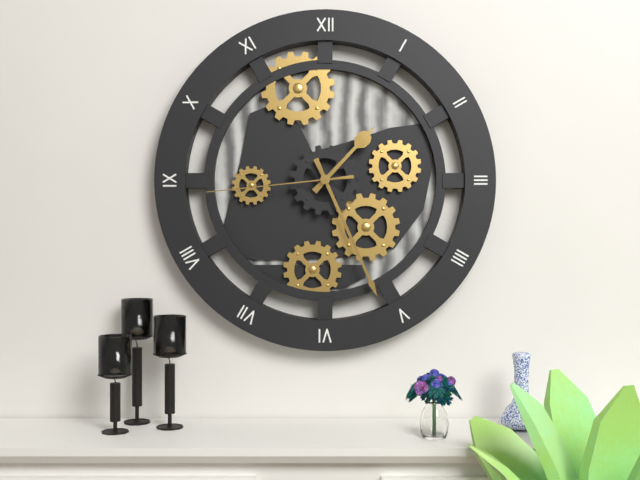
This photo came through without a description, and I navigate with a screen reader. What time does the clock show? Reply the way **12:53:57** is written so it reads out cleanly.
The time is **1:26:44**
